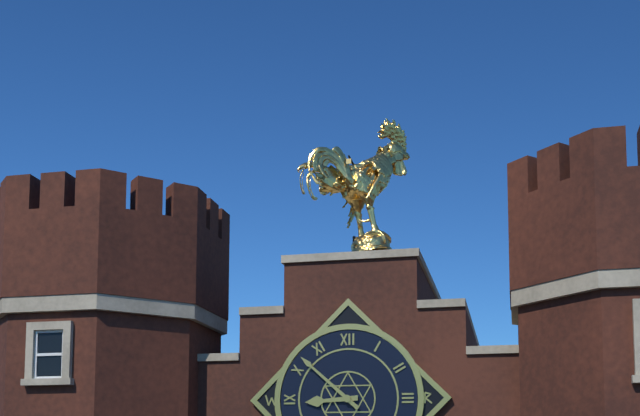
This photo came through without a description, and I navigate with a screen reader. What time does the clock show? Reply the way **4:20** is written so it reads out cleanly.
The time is **8:52**
